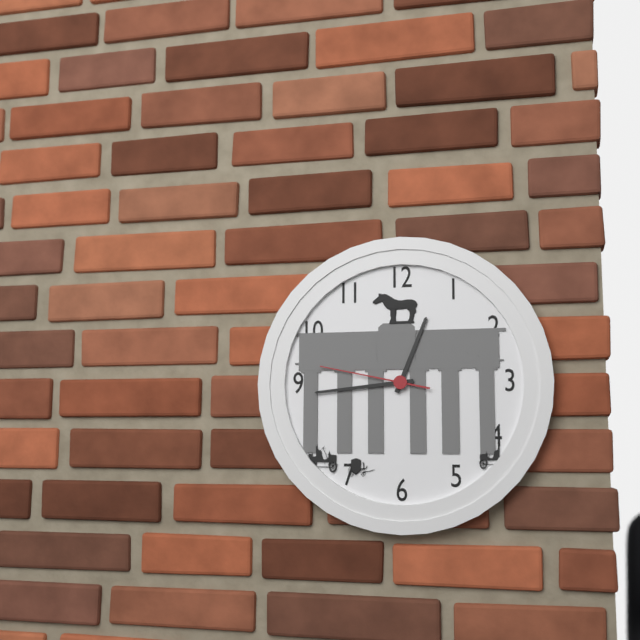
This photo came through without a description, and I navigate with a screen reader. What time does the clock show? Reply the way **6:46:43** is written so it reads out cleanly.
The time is **12:44:47**
